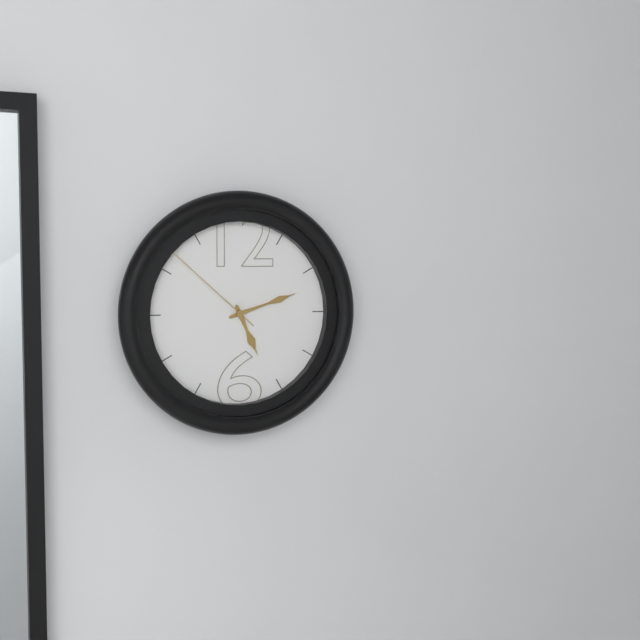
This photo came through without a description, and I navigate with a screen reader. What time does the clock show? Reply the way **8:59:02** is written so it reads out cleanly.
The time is **5:12:52**
